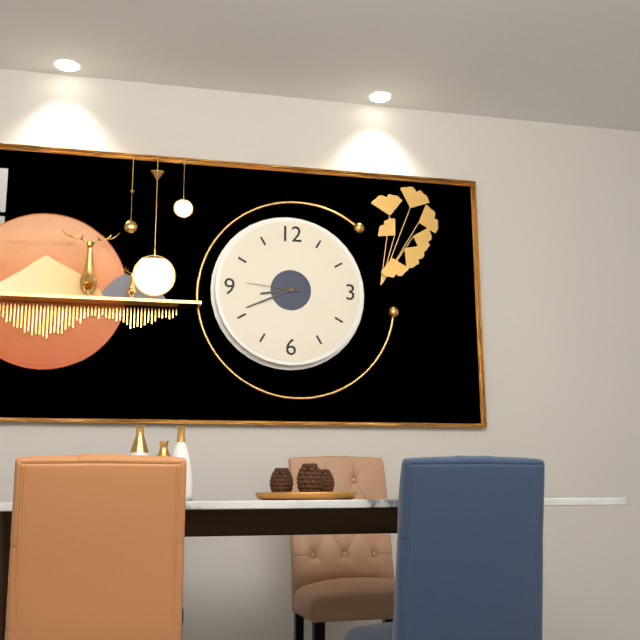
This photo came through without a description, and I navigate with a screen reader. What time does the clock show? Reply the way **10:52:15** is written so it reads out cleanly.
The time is **8:41:46**
